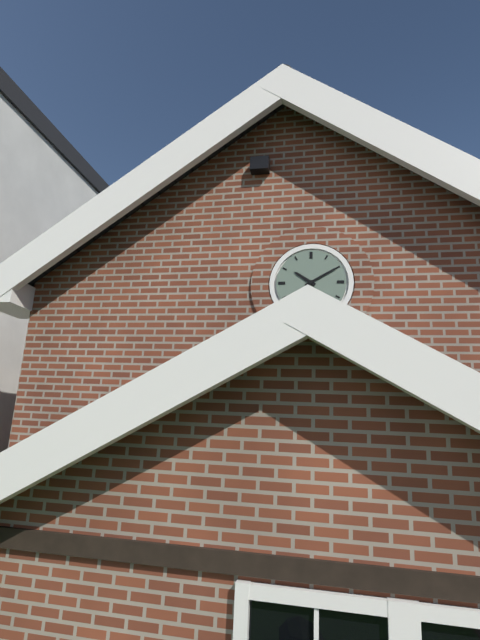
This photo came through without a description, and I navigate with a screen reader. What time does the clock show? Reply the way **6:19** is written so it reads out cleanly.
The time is **10:10**
